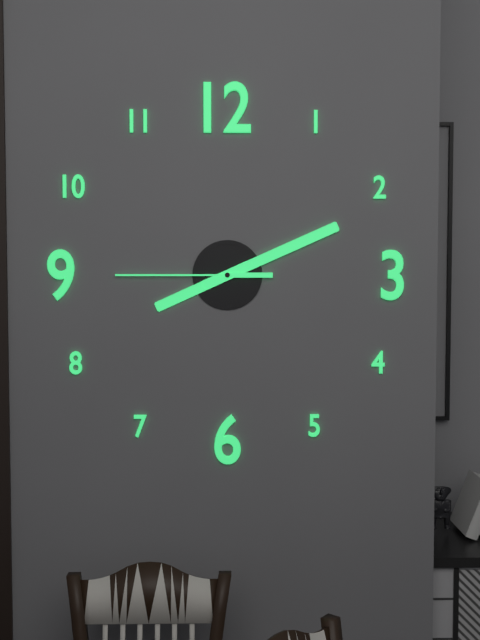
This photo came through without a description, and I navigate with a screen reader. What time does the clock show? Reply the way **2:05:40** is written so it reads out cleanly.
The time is **8:11:45**
